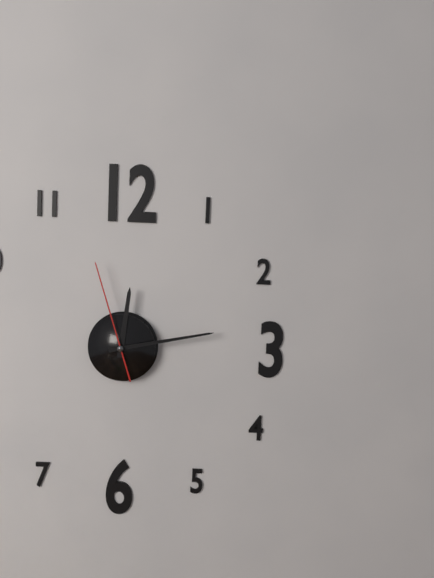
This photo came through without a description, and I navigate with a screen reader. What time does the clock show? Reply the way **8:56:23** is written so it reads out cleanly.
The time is **12:13:57**
